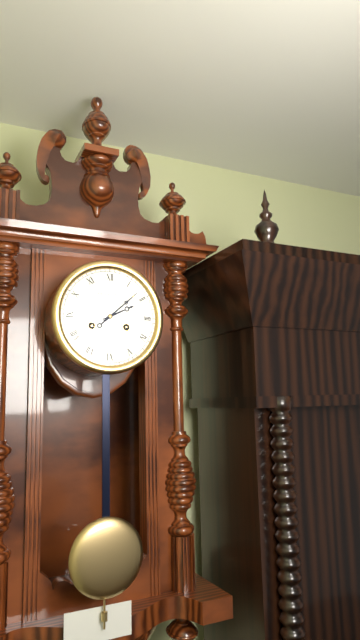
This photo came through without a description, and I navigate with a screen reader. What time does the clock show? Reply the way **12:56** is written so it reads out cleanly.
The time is **2:08**
